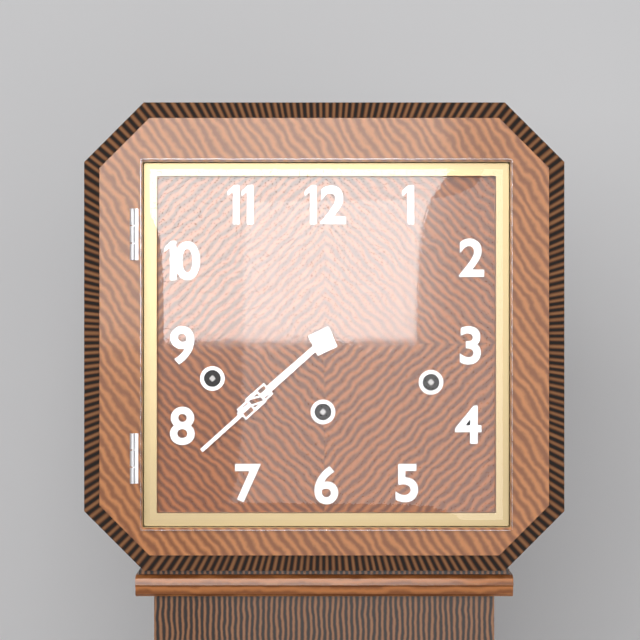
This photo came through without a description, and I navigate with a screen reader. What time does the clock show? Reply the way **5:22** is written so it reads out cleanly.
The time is **7:38**
